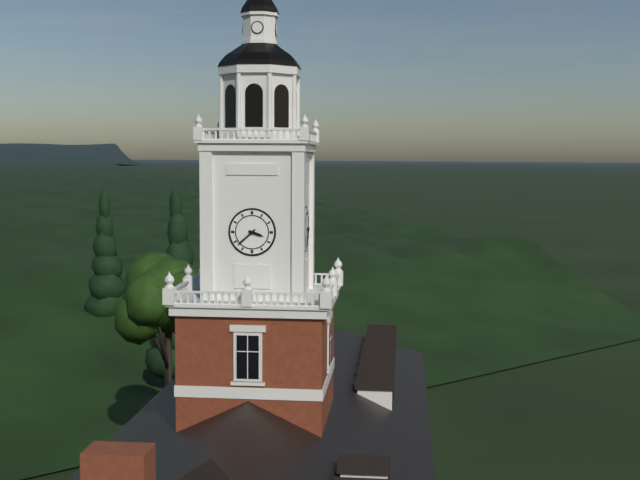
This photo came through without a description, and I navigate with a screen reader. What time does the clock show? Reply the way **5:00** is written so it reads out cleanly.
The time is **3:38**
